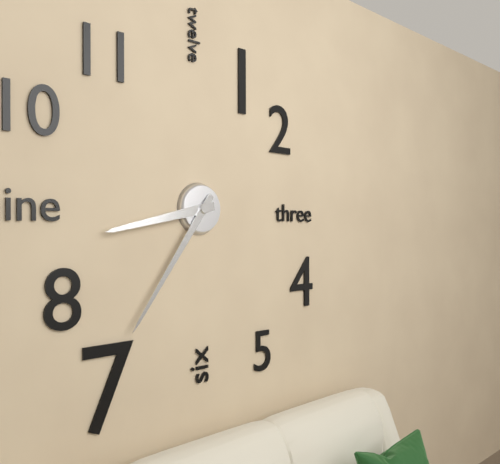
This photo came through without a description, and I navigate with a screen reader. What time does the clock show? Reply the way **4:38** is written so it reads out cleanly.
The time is **8:36**
